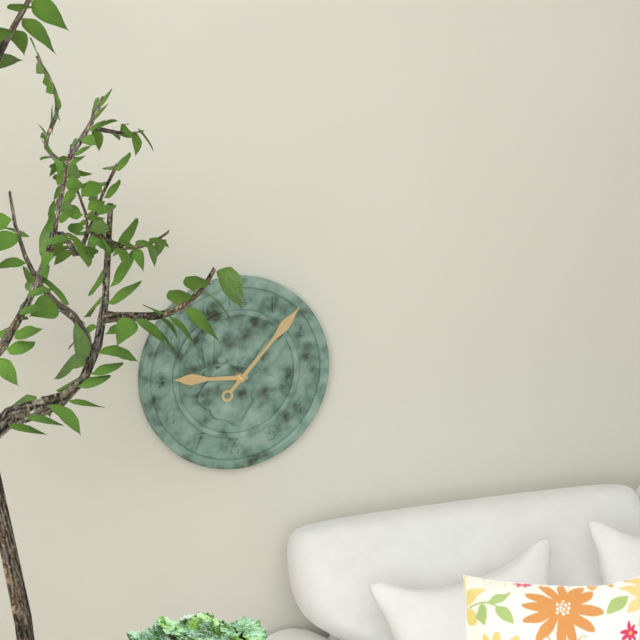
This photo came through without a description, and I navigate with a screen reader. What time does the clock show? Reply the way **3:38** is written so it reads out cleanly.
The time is **9:07**
